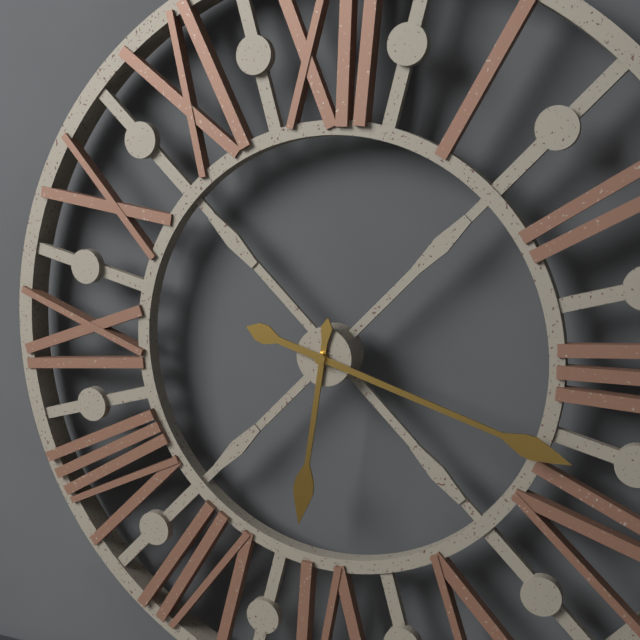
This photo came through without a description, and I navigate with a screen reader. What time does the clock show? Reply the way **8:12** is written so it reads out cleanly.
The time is **6:18**
